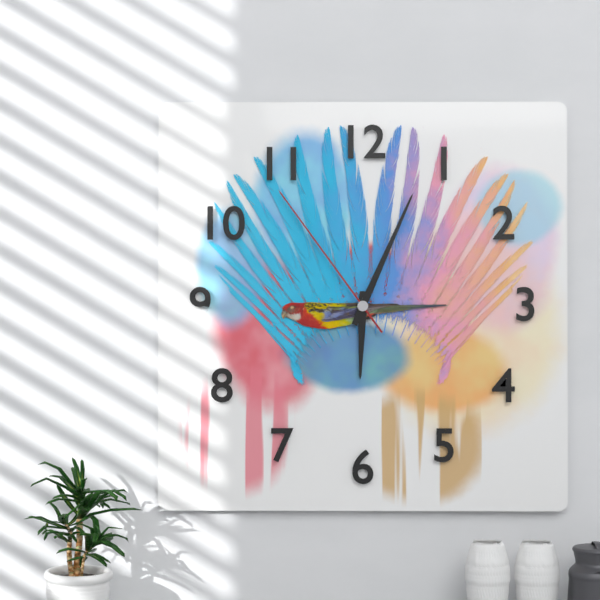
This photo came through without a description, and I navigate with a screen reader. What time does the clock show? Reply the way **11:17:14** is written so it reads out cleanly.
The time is **6:04:54**
